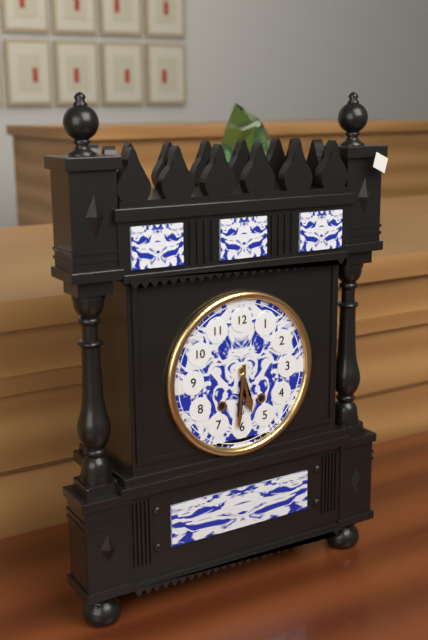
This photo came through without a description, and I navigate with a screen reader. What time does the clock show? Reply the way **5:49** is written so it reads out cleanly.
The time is **5:31**
